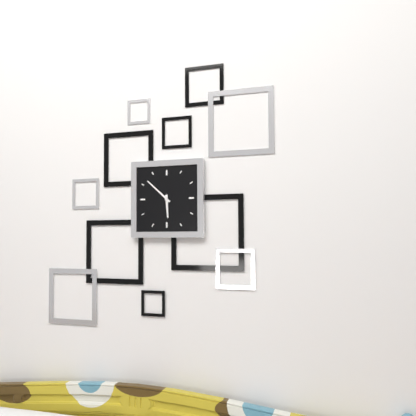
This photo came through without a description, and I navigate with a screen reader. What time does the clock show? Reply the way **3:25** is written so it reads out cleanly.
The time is **5:52**
